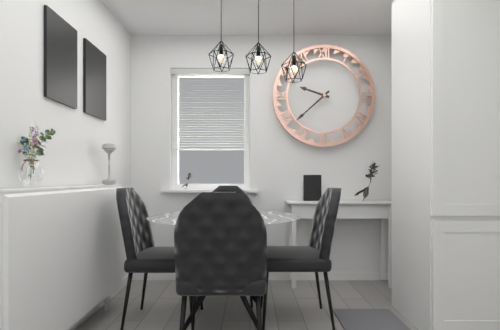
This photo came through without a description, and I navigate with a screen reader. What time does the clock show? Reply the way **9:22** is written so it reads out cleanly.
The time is **9:38**
